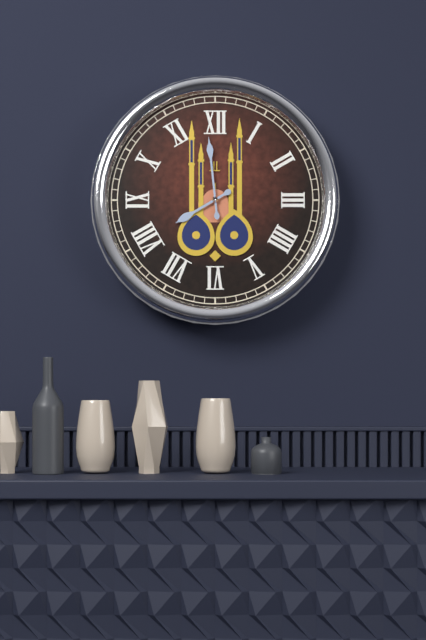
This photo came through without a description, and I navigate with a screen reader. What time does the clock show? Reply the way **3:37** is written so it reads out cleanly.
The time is **7:59**
